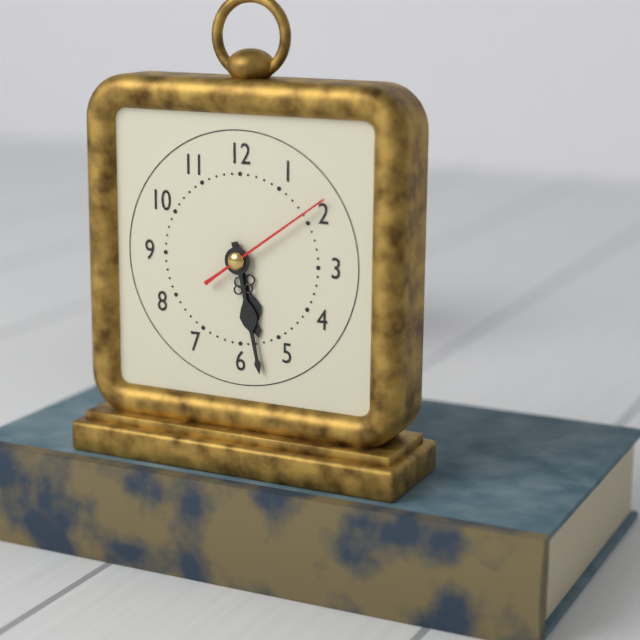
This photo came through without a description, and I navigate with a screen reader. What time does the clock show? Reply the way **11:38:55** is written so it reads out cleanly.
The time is **5:28:09**
